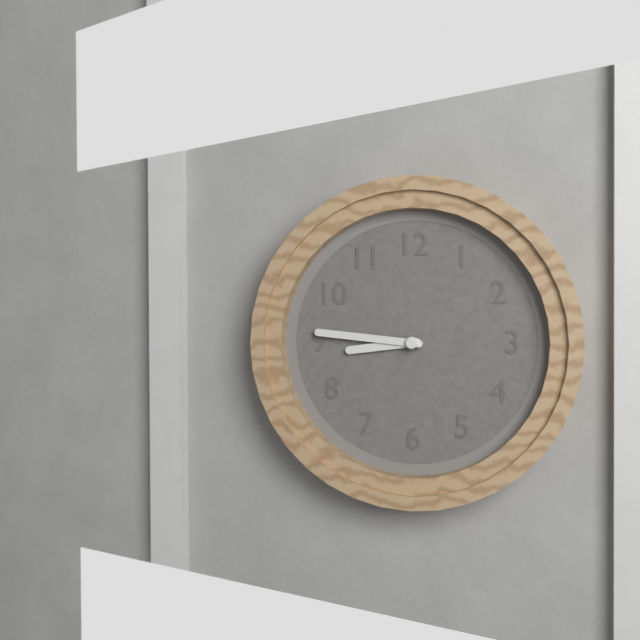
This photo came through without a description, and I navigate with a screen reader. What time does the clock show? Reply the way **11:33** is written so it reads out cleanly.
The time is **8:46**
